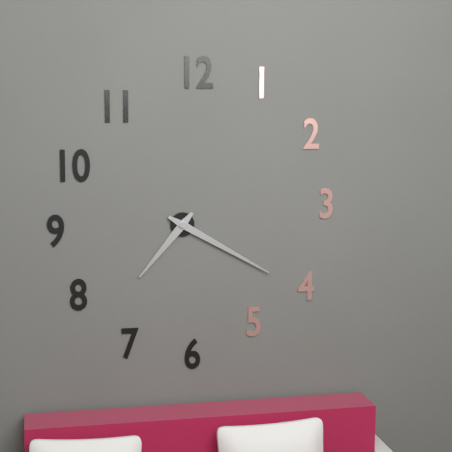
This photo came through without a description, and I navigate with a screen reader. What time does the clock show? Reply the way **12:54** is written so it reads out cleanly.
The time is **7:20**
